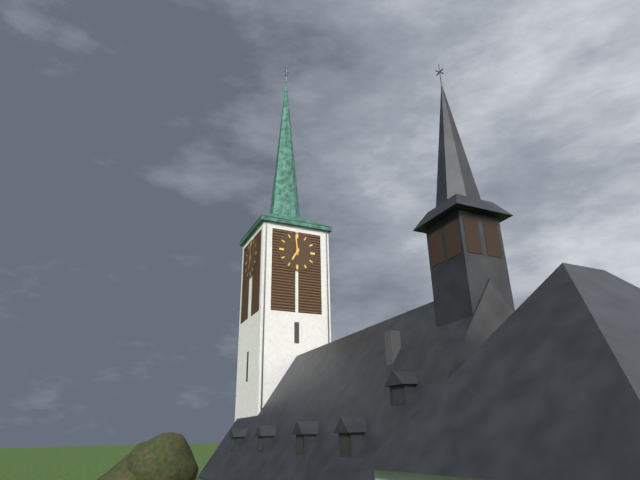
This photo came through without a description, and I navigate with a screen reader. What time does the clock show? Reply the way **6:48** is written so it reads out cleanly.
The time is **6:59**
